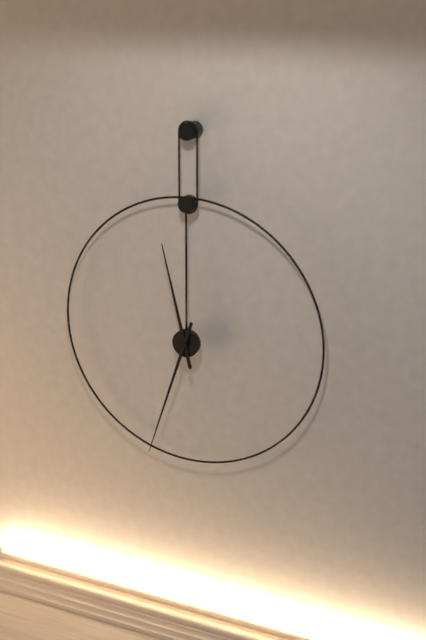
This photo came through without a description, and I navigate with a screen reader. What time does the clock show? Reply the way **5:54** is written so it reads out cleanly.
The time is **11:33**
